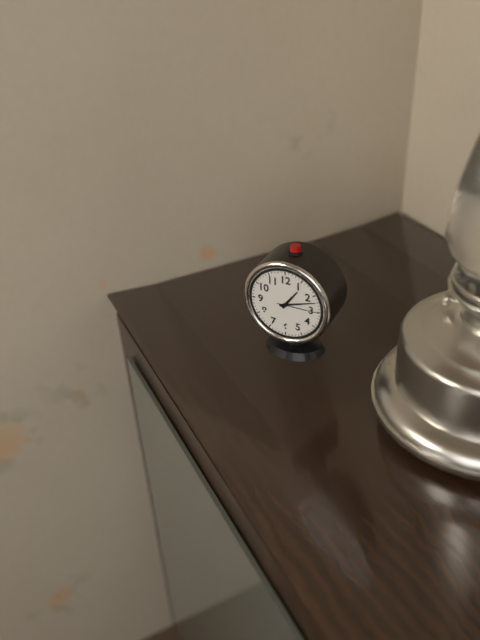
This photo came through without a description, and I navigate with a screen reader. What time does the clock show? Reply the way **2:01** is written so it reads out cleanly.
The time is **1:12**
